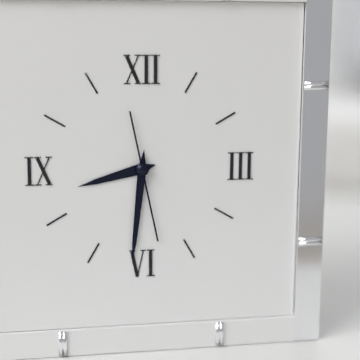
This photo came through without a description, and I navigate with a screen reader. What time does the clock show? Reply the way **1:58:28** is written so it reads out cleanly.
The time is **8:31:28**
